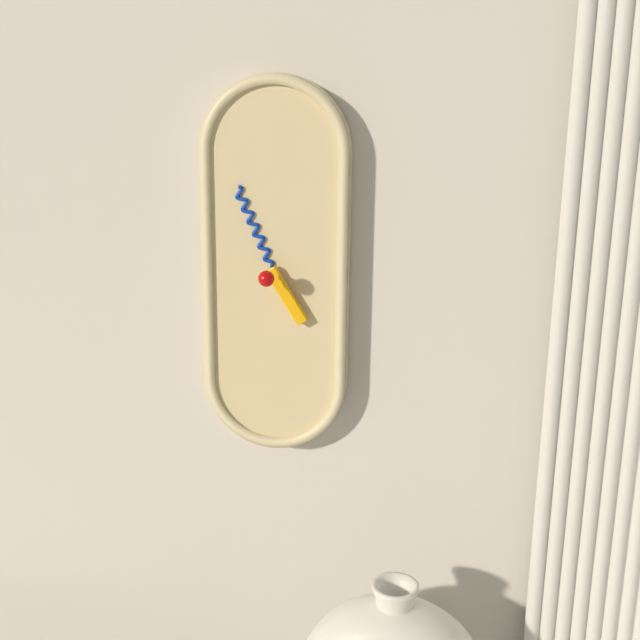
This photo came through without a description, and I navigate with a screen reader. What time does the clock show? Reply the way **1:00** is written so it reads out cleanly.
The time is **4:56**
